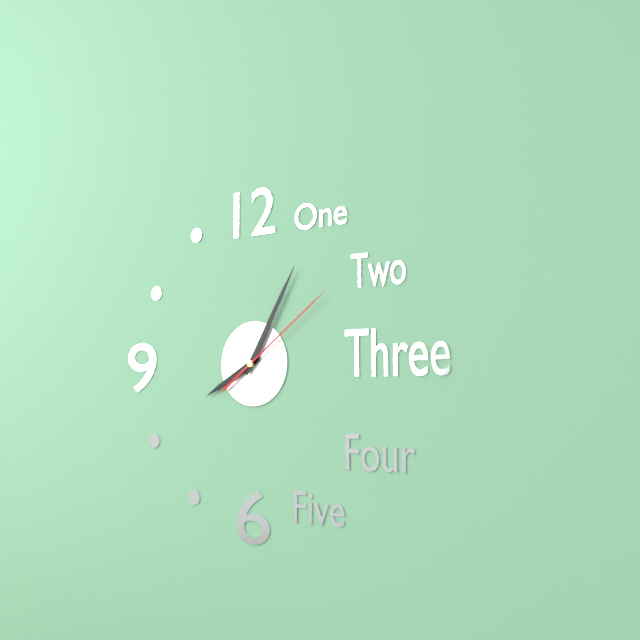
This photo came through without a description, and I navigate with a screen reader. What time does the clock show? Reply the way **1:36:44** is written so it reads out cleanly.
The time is **8:05:09**
